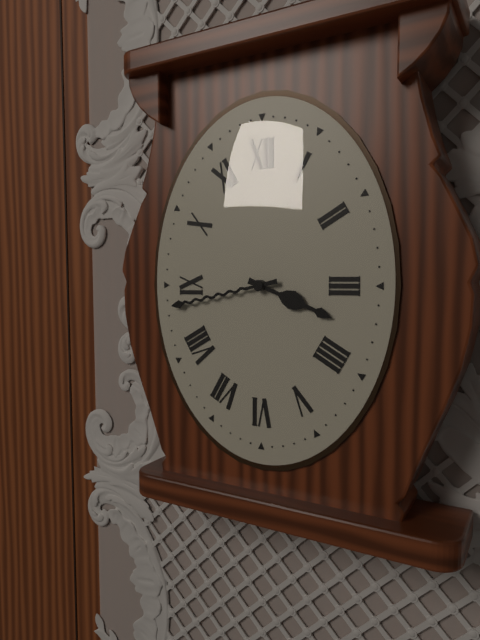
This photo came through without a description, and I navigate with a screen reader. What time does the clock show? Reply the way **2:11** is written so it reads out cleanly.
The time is **3:43**
